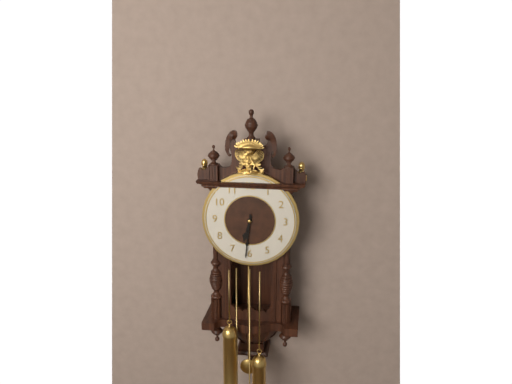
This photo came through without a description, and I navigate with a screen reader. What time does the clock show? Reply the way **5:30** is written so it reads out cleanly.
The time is **6:31**
